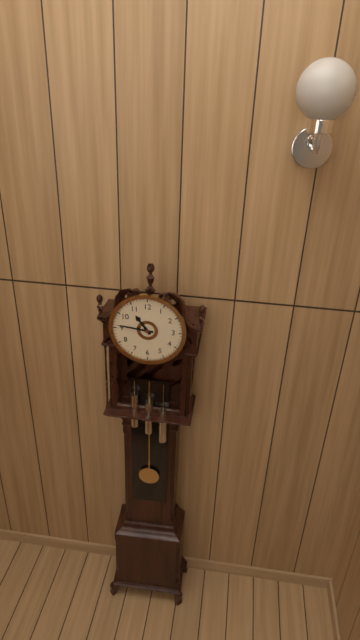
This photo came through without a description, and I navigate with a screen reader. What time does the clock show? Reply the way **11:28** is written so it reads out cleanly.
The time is **10:46**
